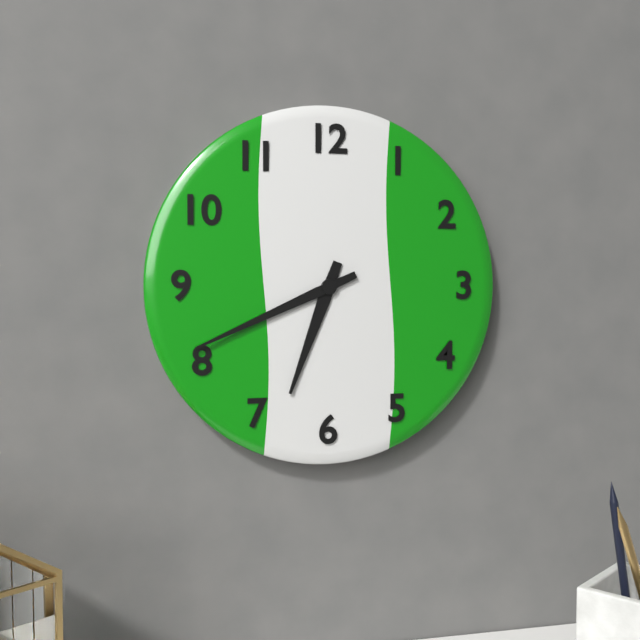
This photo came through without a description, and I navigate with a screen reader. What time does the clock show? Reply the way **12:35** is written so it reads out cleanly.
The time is **6:41**
